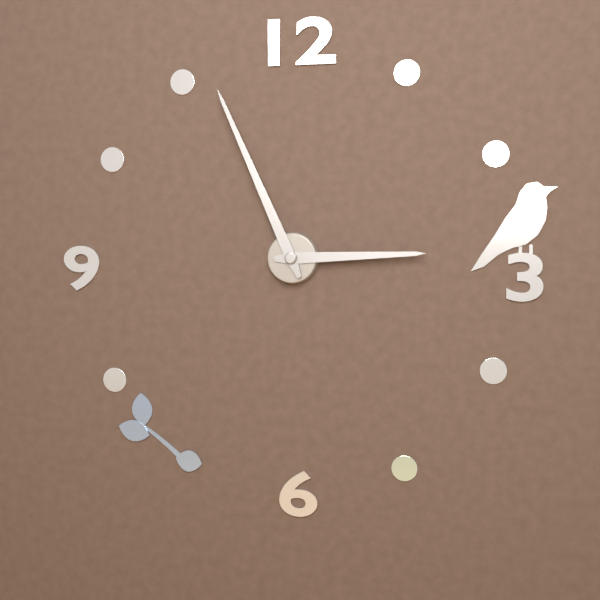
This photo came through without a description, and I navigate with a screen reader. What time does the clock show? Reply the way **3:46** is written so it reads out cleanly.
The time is **2:56**
